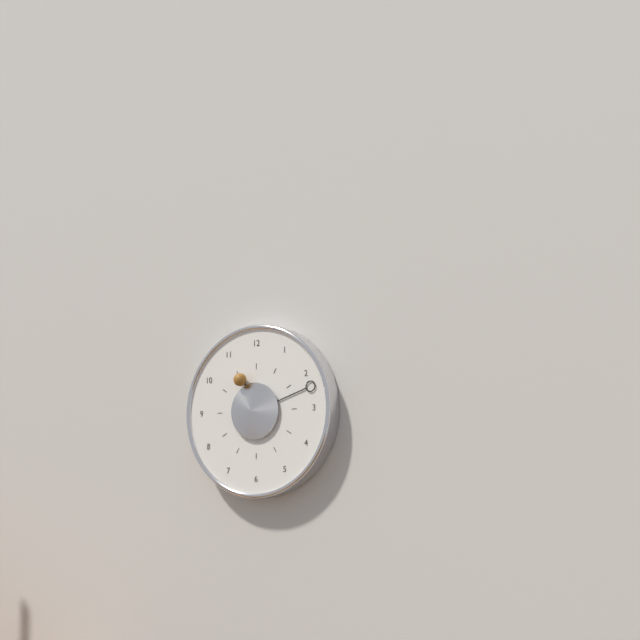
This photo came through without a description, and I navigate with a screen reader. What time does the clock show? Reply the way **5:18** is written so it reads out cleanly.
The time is **11:12**
